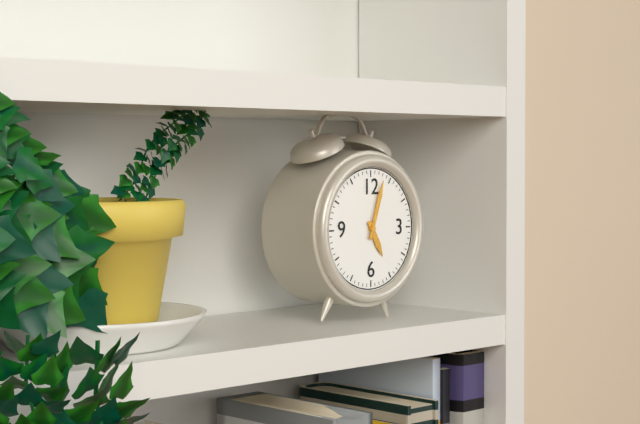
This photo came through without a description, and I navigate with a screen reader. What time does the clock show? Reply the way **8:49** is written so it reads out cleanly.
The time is **5:03**
